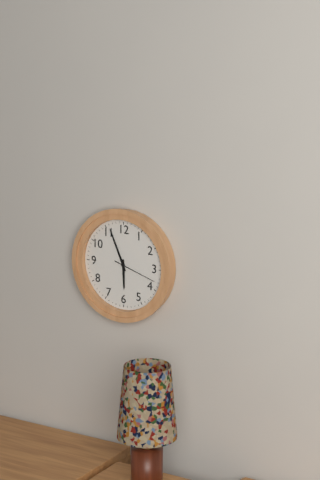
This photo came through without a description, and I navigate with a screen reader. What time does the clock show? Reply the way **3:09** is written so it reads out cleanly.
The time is **5:56**
